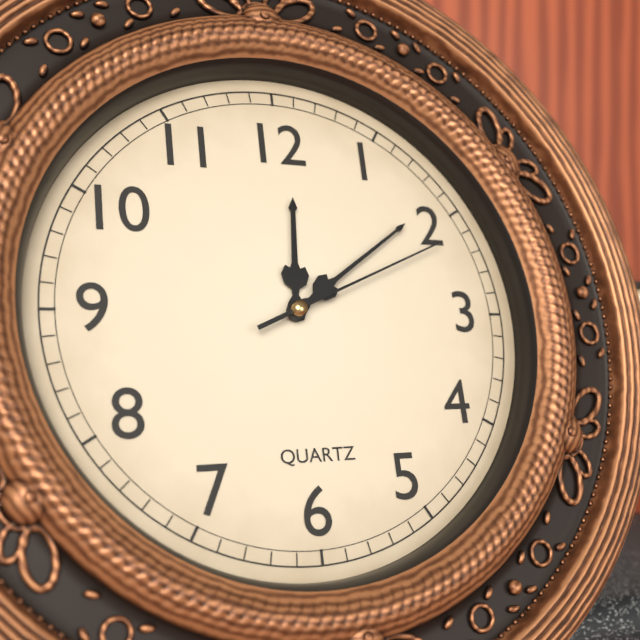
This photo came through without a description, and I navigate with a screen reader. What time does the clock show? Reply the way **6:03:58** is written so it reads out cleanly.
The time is **12:09:11**
